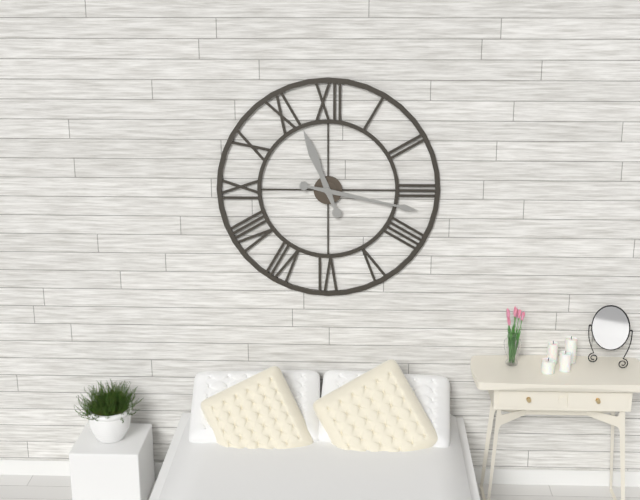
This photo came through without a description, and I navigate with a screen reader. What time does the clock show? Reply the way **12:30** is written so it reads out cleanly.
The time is **11:17**
